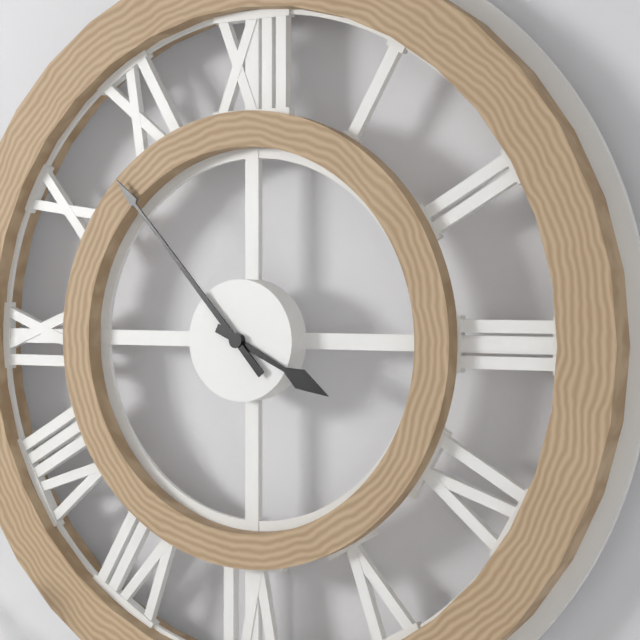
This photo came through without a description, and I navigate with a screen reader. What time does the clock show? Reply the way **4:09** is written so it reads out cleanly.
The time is **3:53**
